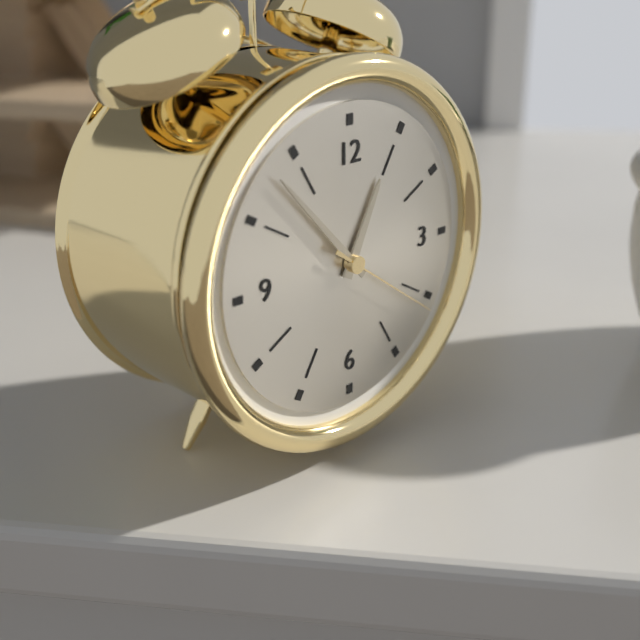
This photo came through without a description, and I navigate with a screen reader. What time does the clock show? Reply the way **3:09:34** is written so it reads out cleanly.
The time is **12:53:21**
